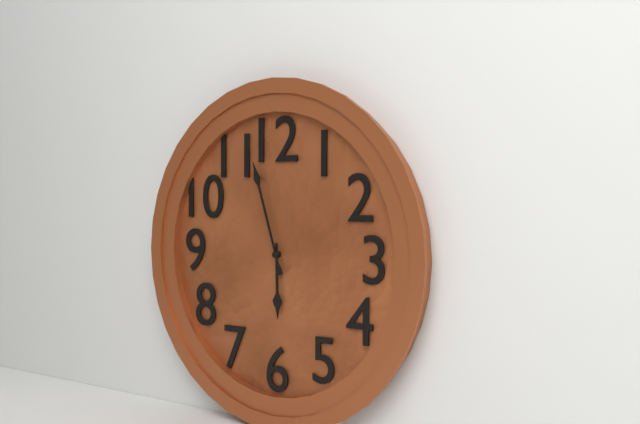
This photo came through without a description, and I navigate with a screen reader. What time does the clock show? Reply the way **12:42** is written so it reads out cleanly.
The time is **5:57**
